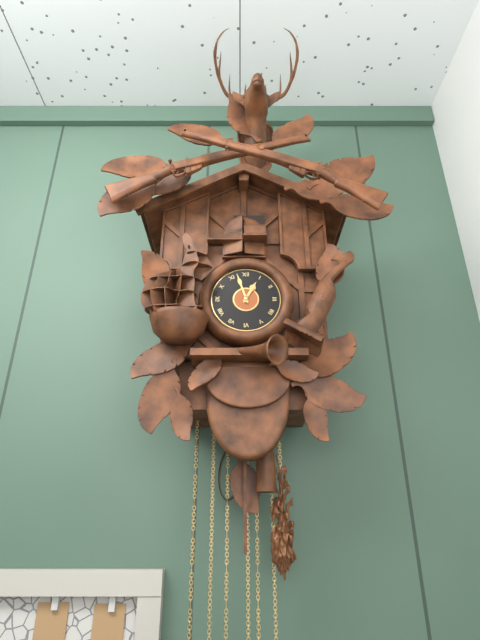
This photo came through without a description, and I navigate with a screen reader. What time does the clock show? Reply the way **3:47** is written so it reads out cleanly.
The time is **12:57**
